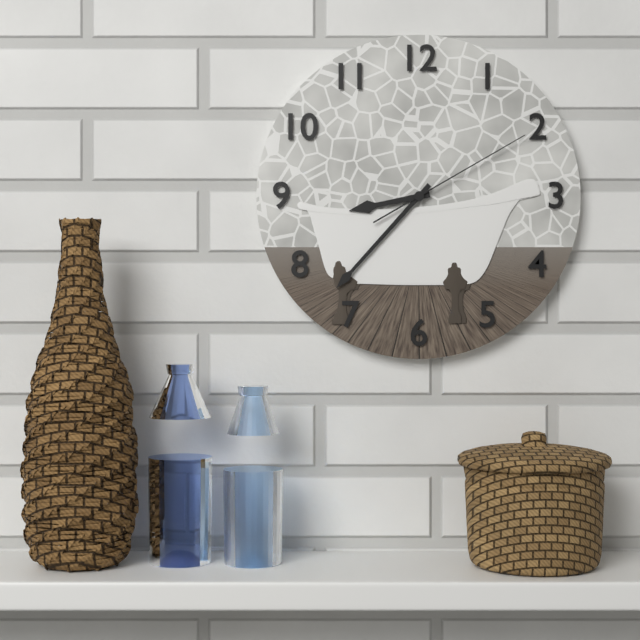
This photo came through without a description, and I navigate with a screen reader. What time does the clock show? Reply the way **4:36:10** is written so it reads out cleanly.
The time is **8:37:10**
